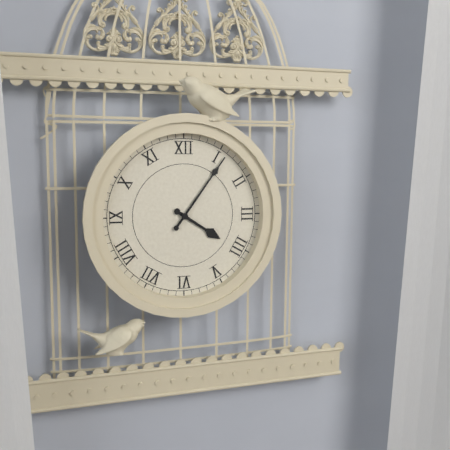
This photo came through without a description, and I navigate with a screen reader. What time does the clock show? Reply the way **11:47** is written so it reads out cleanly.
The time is **4:06**
